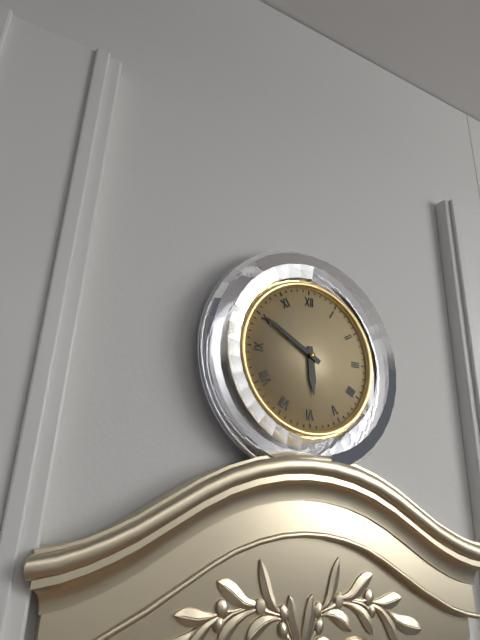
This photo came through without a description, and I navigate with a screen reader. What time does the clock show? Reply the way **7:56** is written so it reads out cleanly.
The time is **5:50**
